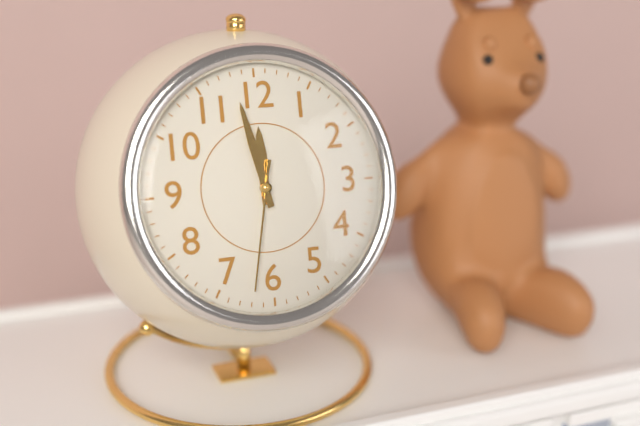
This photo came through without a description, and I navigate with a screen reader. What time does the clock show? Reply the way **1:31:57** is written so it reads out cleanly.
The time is **11:58:32**
